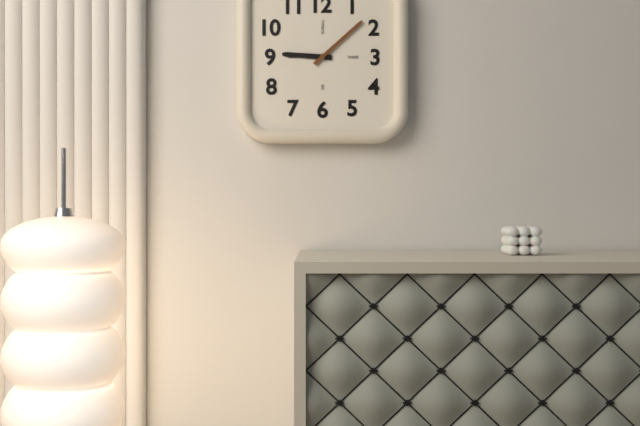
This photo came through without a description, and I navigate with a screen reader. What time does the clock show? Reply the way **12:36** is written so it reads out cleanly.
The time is **9:08**
